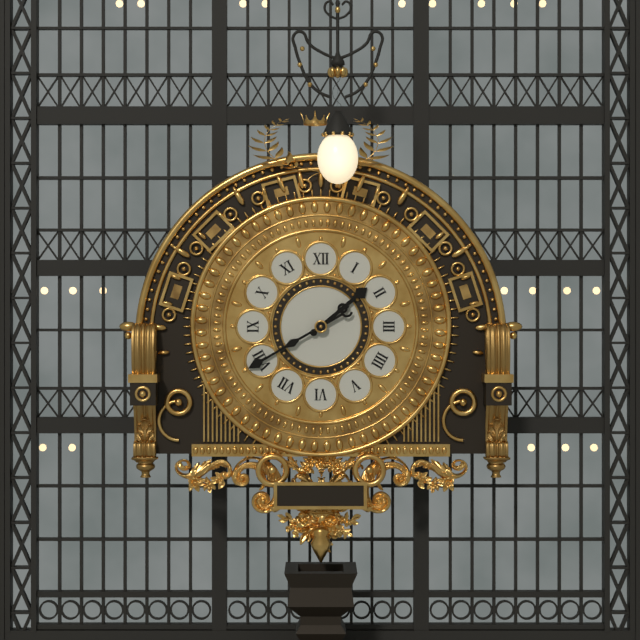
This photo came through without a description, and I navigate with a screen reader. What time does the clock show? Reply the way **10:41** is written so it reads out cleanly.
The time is **1:40**
